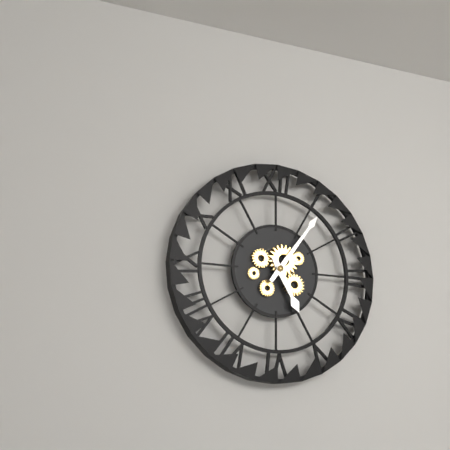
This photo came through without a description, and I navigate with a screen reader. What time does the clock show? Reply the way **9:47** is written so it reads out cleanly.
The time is **5:06**
